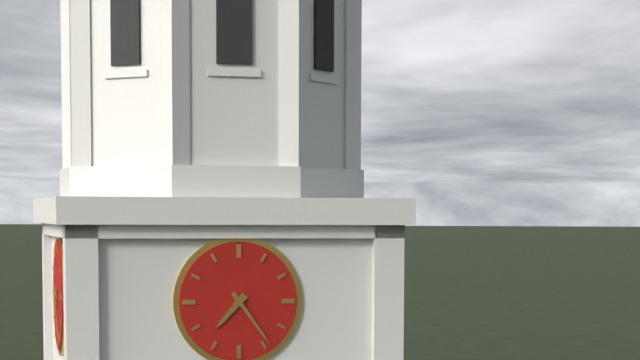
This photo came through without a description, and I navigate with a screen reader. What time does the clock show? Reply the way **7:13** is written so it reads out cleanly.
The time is **7:24**
